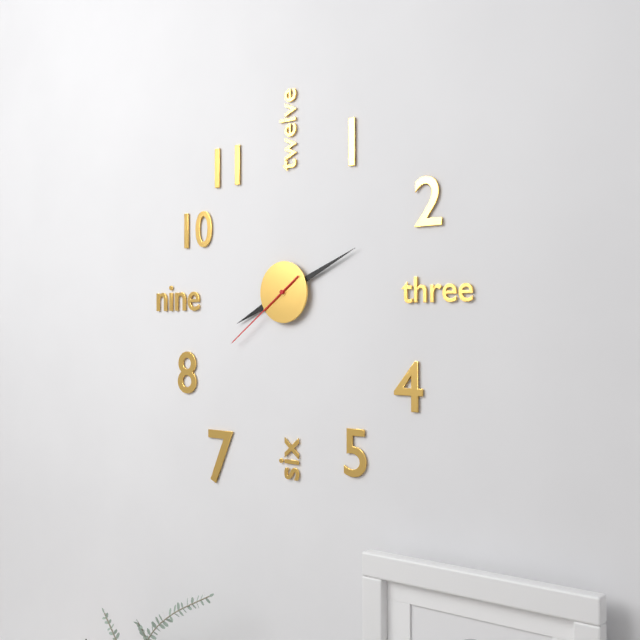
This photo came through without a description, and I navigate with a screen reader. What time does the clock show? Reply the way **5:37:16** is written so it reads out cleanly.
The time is **8:11:39**
